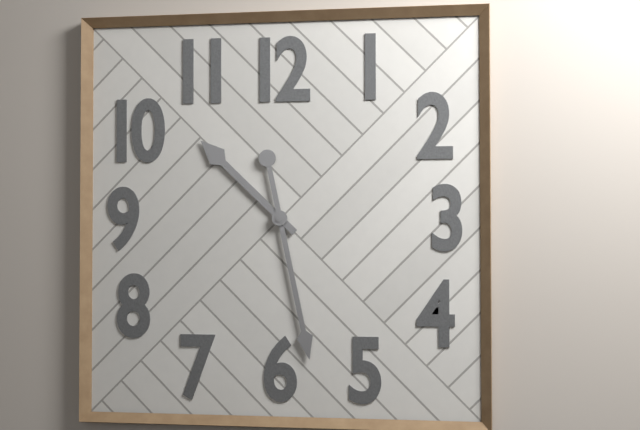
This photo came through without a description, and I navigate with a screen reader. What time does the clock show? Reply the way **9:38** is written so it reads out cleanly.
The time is **10:28**
